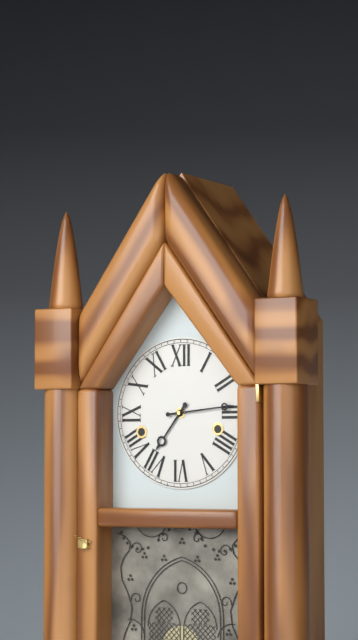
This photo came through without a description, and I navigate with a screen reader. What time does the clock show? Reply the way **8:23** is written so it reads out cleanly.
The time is **7:14**
